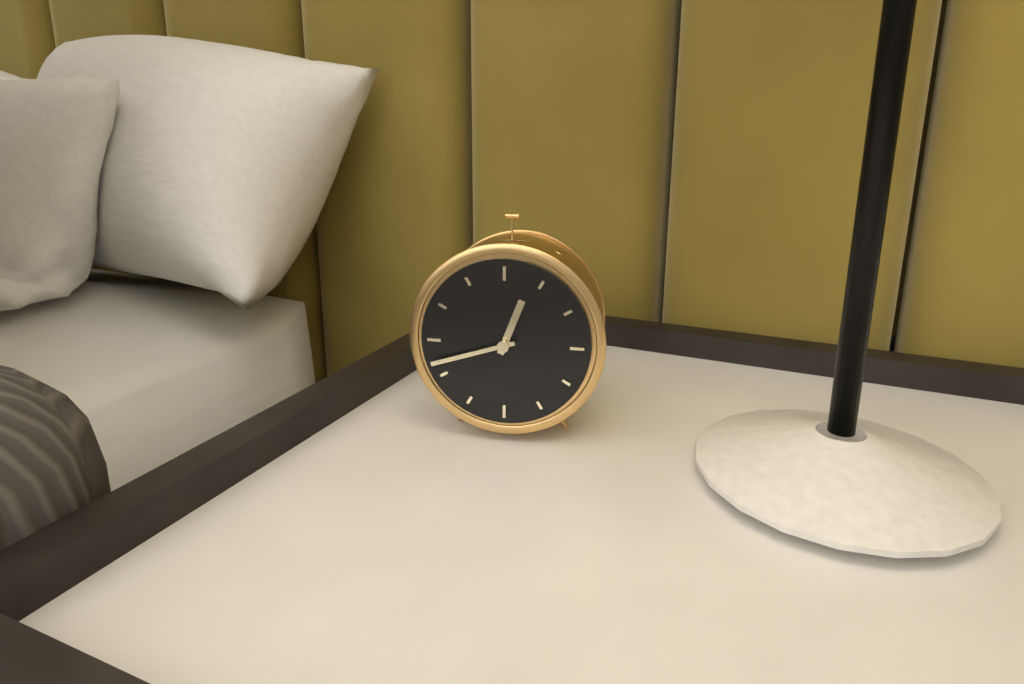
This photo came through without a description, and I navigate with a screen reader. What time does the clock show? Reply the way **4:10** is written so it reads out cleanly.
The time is **12:42**
